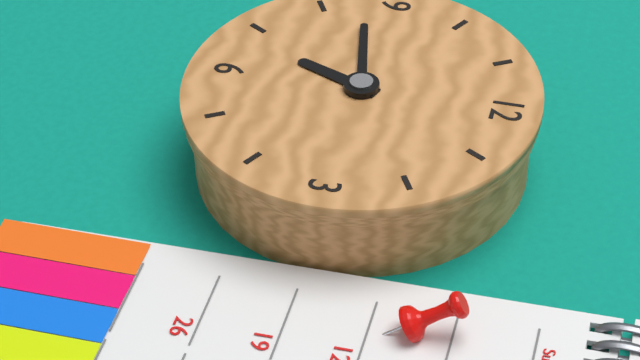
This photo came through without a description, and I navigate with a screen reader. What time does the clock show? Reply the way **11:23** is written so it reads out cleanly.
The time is **6:43**
